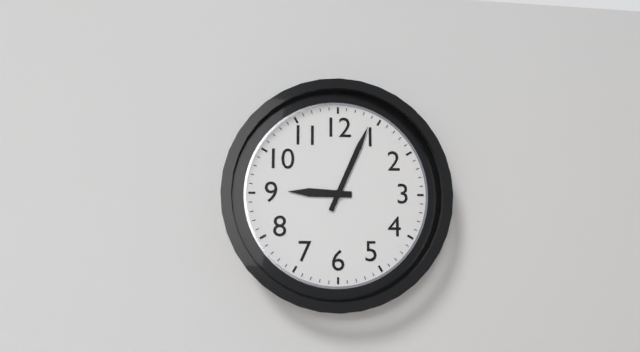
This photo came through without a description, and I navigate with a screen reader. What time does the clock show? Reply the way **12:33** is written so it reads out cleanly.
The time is **9:04**
